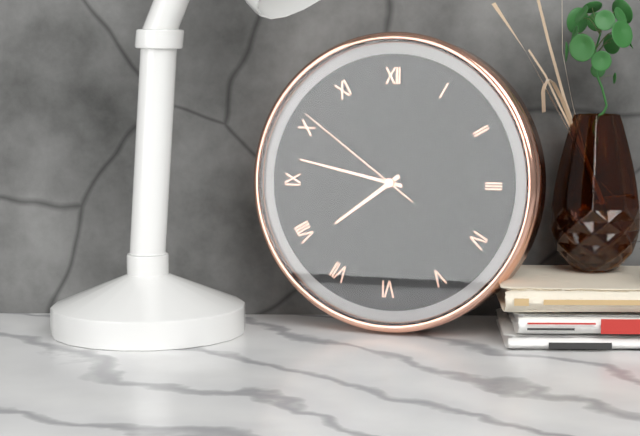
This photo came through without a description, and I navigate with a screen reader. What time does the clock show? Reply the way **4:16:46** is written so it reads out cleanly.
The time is **7:47:51**
